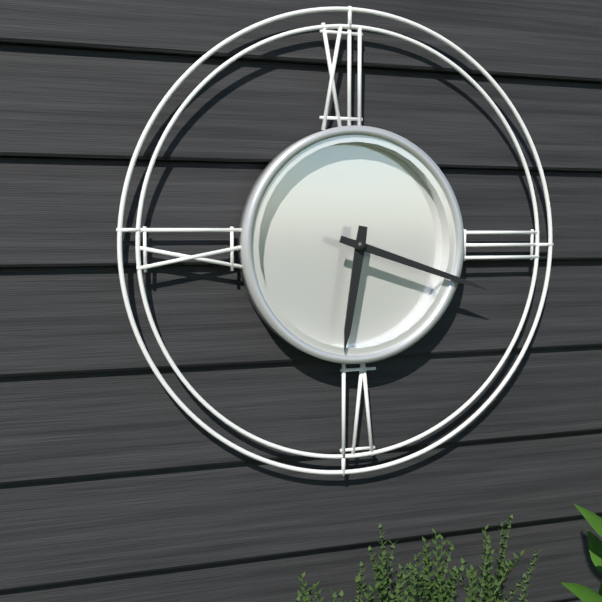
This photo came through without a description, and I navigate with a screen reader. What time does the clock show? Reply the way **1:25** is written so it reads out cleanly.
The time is **6:18**
